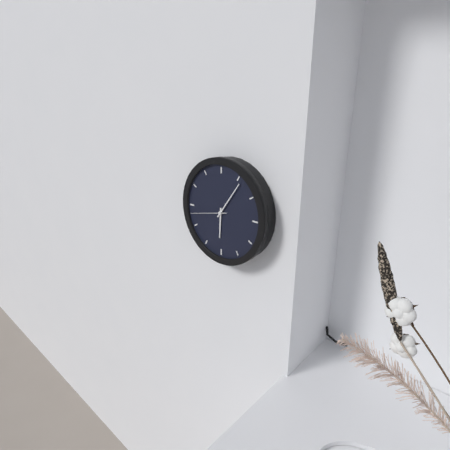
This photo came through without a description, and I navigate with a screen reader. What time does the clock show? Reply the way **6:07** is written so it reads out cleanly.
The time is **6:06**
